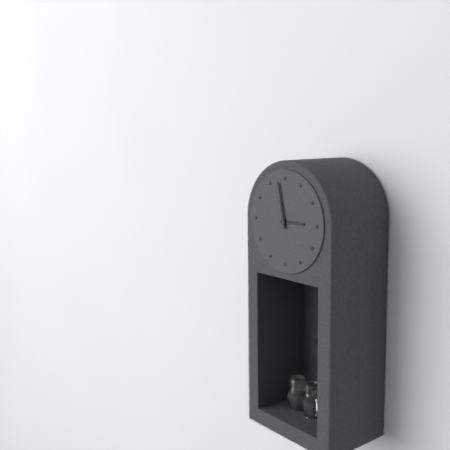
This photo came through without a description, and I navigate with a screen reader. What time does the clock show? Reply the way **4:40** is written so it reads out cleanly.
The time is **2:58**
